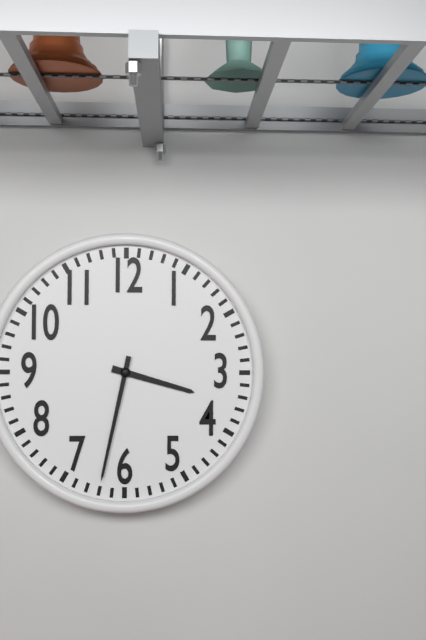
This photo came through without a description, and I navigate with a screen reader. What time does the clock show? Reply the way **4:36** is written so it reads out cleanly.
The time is **3:32**
